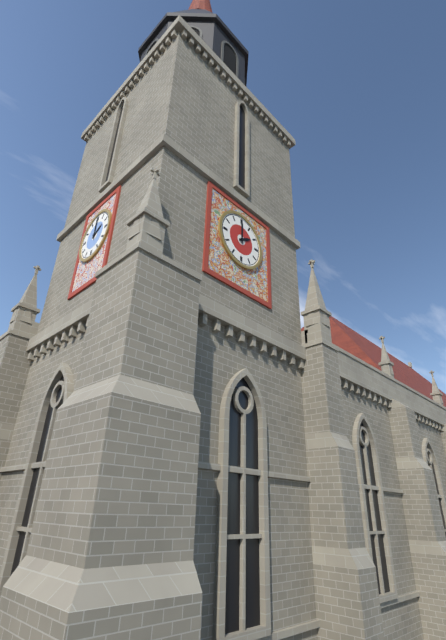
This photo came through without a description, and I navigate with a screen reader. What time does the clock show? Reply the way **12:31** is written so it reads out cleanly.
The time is **2:00**
